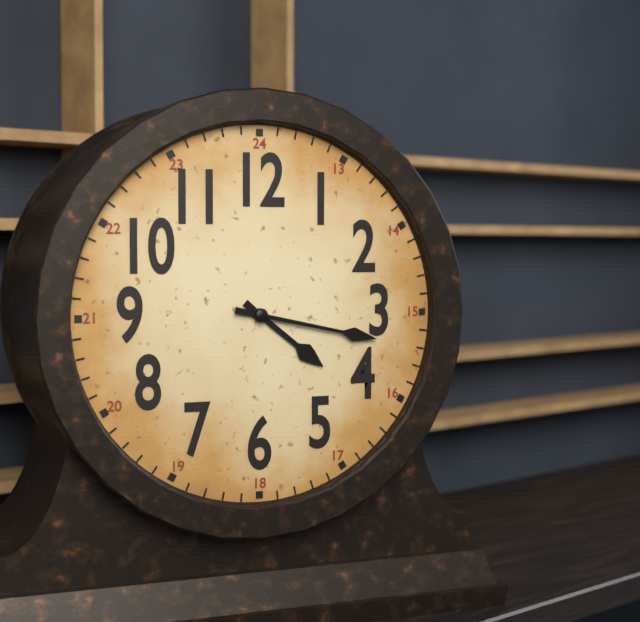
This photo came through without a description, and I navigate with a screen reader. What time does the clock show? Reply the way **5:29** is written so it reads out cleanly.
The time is **4:17**
